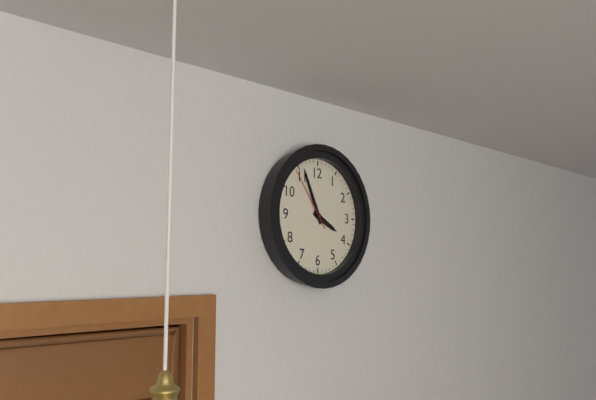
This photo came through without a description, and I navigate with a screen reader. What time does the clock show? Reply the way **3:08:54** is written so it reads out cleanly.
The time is **3:56:54**
